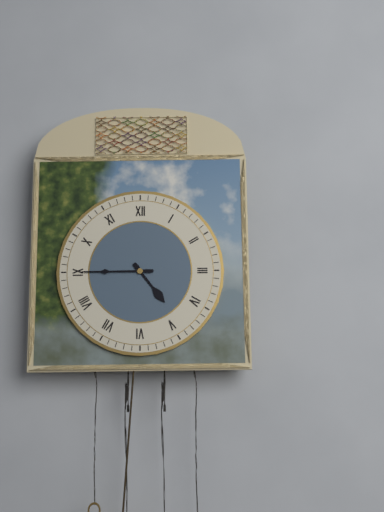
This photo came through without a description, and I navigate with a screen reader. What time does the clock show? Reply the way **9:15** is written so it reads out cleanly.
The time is **4:45**
